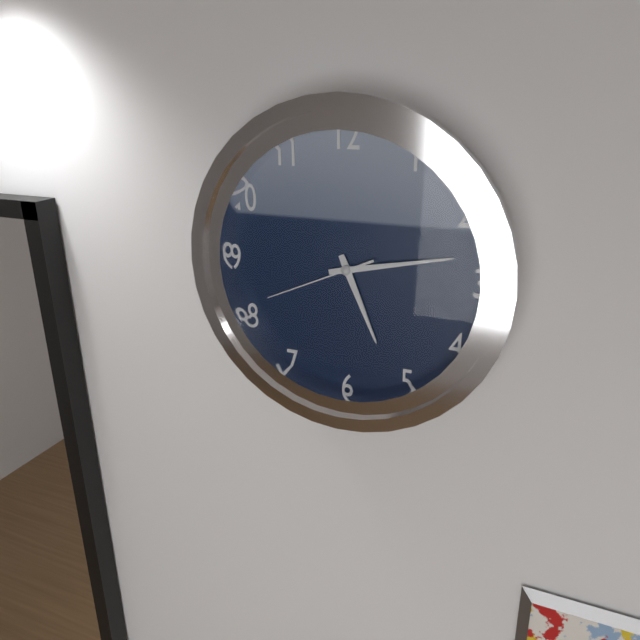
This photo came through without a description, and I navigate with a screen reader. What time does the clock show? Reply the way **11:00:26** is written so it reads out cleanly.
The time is **5:13:41**
